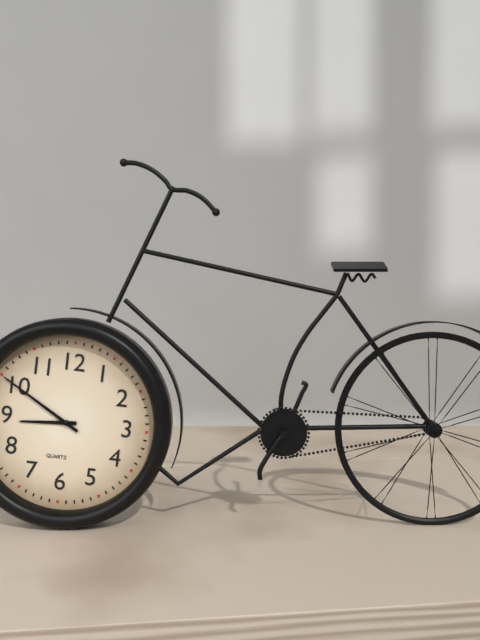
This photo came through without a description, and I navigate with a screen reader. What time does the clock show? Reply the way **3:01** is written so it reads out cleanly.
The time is **8:50**
